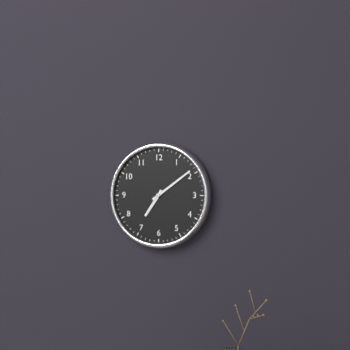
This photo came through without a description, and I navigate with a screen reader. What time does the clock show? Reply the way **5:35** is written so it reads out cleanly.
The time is **7:09**
